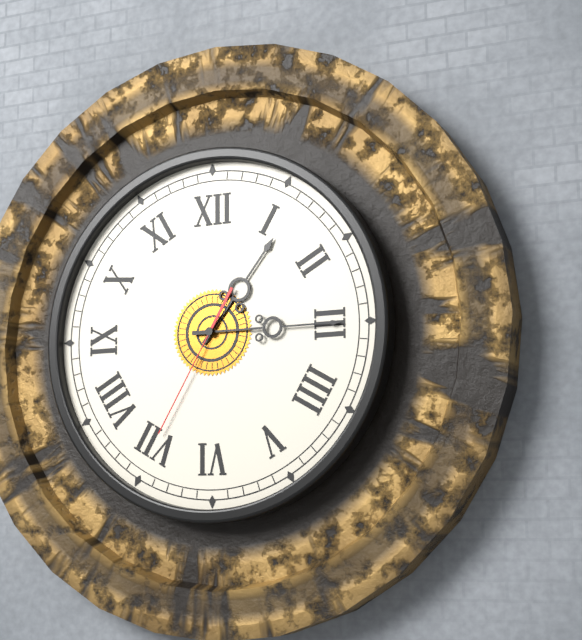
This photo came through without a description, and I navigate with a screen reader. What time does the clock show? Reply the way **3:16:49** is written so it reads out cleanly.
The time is **1:15:35**
